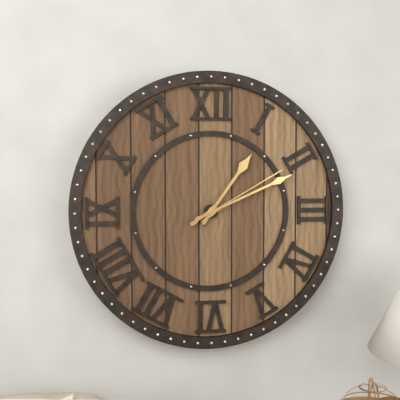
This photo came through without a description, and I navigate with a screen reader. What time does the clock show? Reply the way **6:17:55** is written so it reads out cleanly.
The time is **1:11:10**
